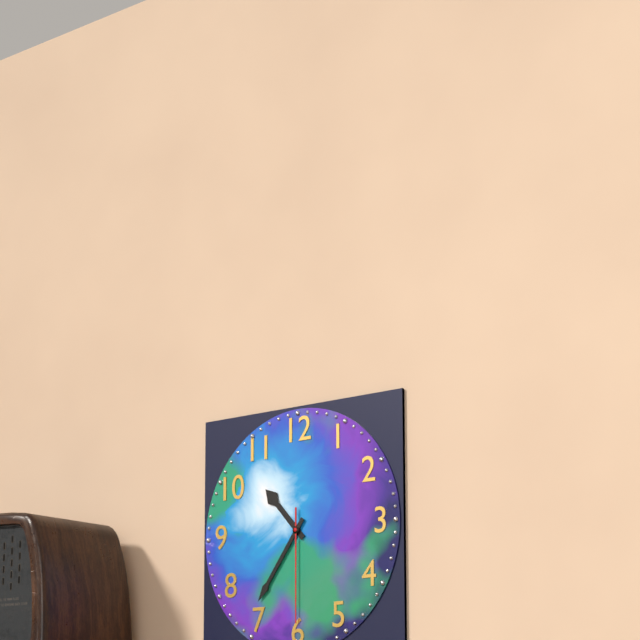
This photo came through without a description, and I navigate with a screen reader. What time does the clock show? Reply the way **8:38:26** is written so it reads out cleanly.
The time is **10:36:30**
